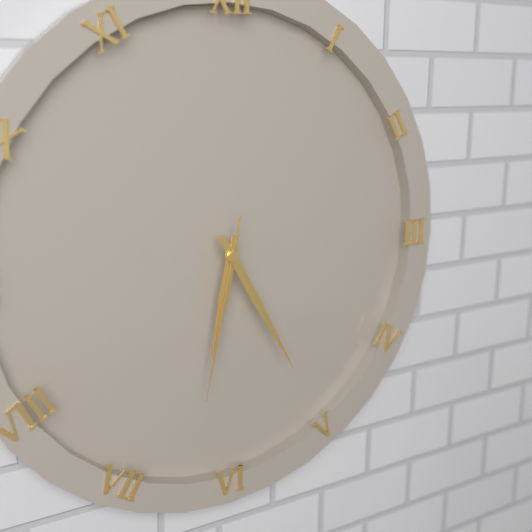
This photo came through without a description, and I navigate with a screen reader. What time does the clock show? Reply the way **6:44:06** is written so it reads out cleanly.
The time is **6:25:32**
